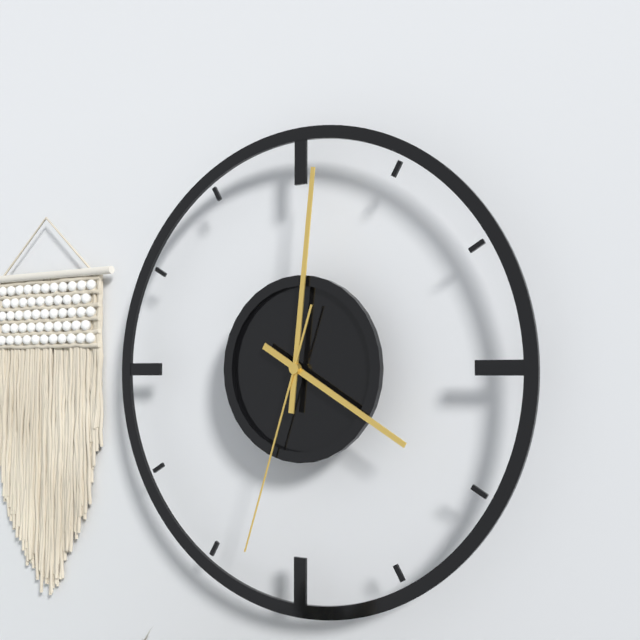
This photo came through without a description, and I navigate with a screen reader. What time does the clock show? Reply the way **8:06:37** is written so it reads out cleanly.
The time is **4:01:33**
